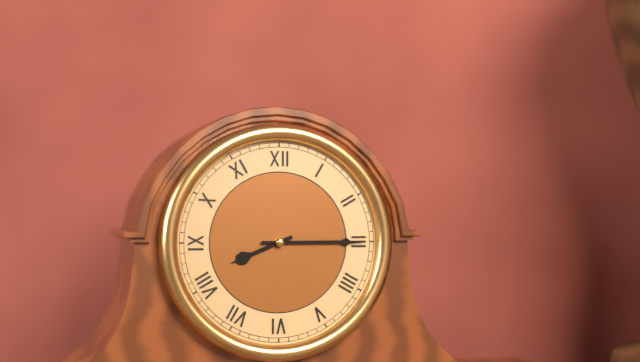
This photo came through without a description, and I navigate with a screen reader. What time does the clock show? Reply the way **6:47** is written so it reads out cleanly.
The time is **8:15**
